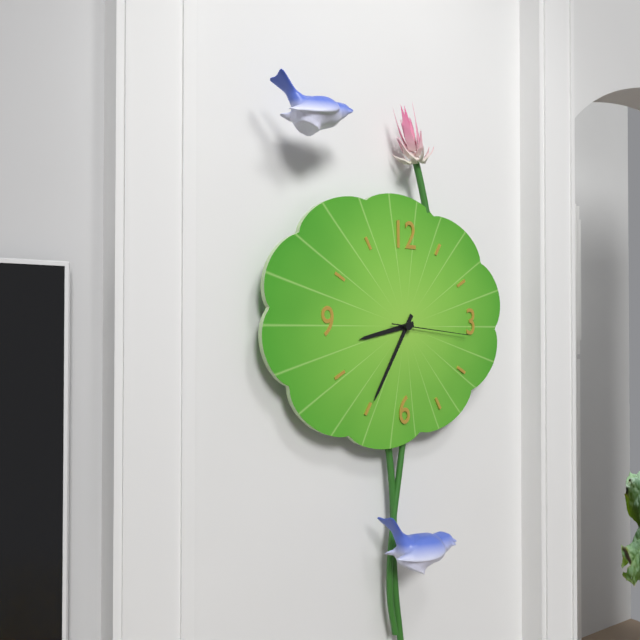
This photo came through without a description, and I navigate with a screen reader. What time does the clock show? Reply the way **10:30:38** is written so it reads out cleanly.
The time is **8:35:16**
